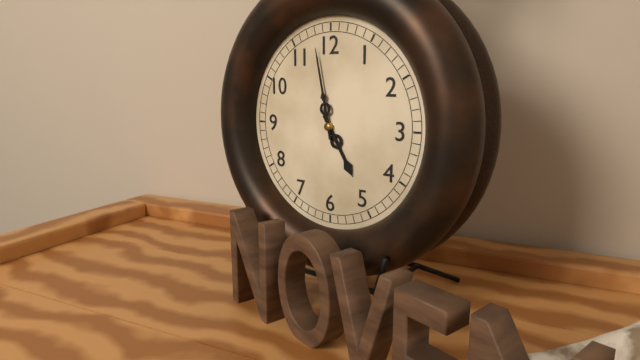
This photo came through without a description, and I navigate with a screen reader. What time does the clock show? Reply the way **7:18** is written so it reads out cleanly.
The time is **4:58**
